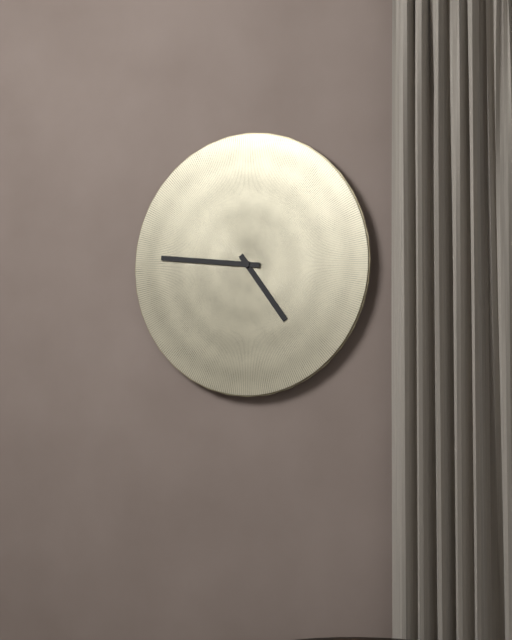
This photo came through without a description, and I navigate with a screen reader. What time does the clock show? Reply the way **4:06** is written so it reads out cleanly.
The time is **4:46**
